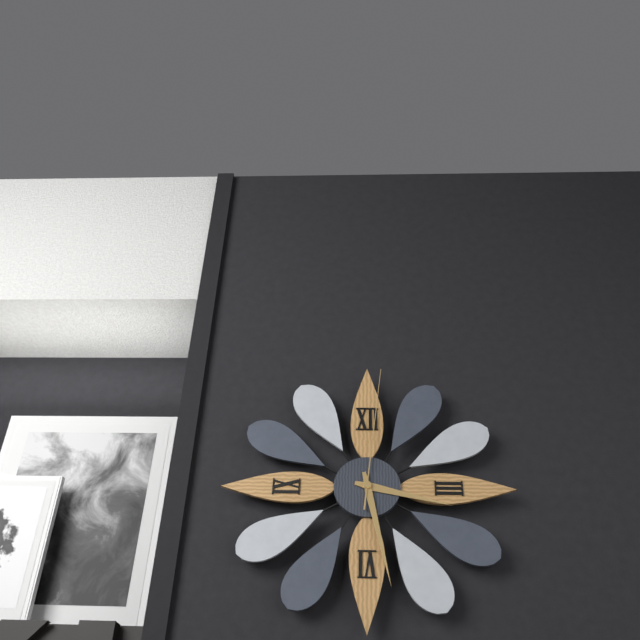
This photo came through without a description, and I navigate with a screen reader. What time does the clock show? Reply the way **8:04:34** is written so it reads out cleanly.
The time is **3:28:01**
